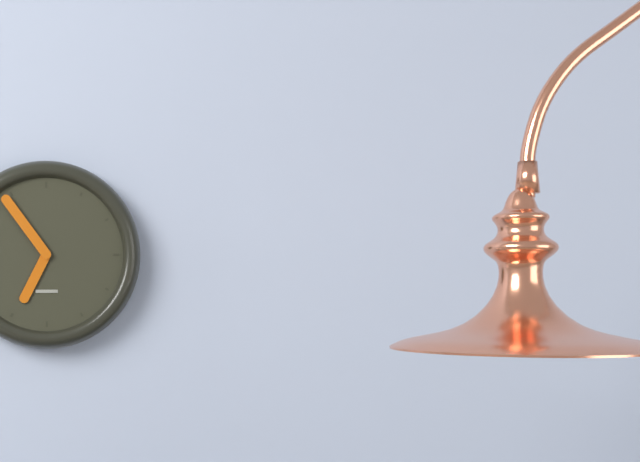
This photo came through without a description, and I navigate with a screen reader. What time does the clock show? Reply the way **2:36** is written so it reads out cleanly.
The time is **6:54**
